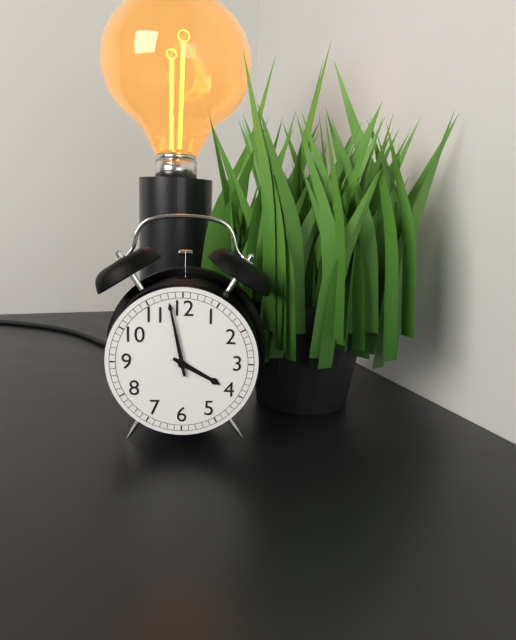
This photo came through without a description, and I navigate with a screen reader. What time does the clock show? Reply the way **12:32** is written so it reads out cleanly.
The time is **3:58**
